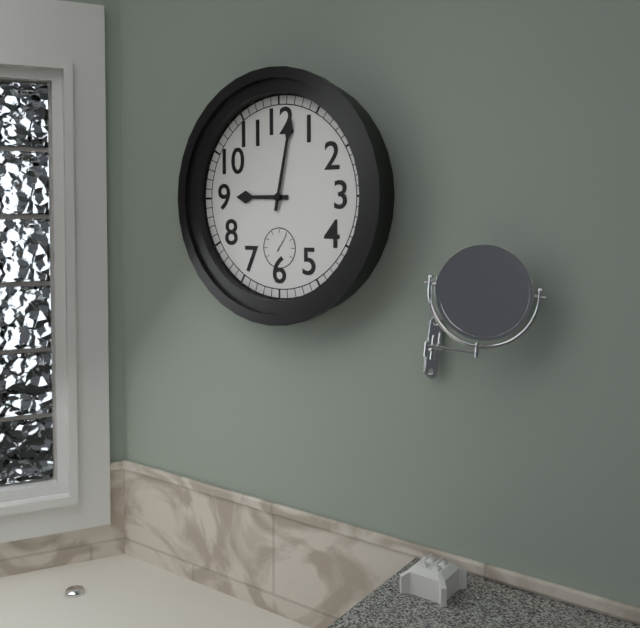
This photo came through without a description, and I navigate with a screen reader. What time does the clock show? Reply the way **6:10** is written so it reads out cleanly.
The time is **9:02**
